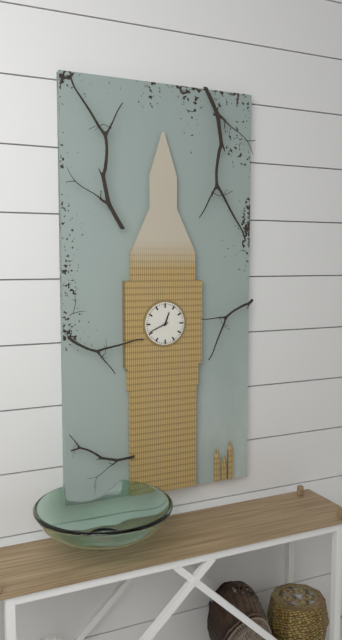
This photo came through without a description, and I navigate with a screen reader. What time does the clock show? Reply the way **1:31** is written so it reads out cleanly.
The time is **12:41**
